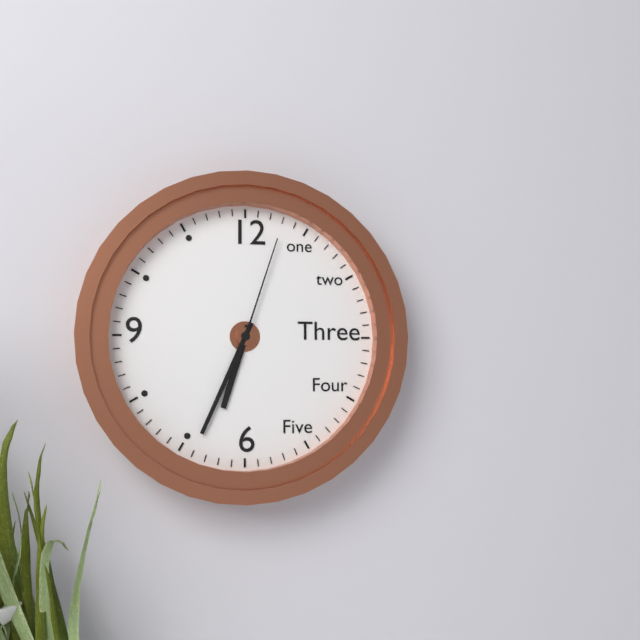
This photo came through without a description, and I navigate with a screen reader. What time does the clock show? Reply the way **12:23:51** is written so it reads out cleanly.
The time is **6:34:03**
